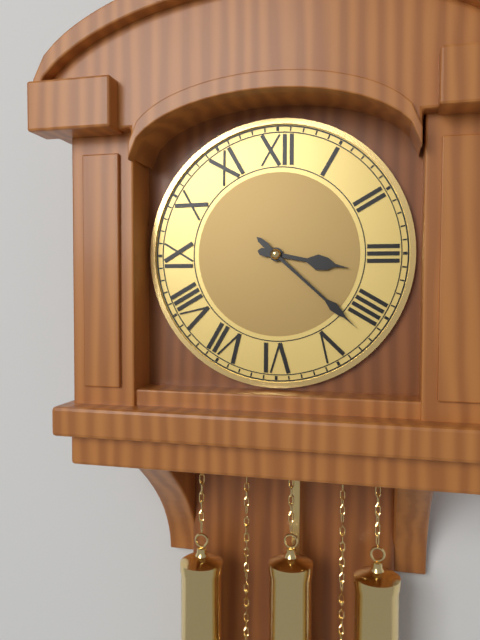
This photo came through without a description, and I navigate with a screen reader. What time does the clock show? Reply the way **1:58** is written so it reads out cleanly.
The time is **3:22**
